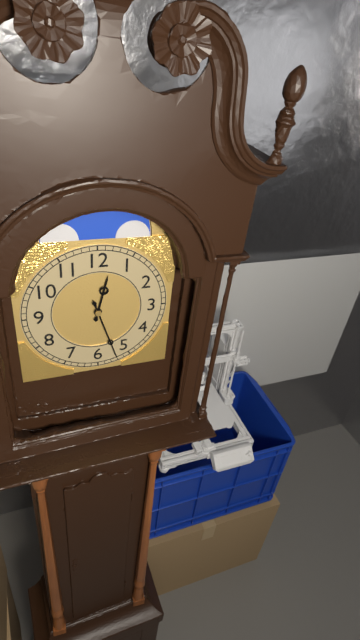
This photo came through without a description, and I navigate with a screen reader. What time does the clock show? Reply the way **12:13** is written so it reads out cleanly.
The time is **12:27**
